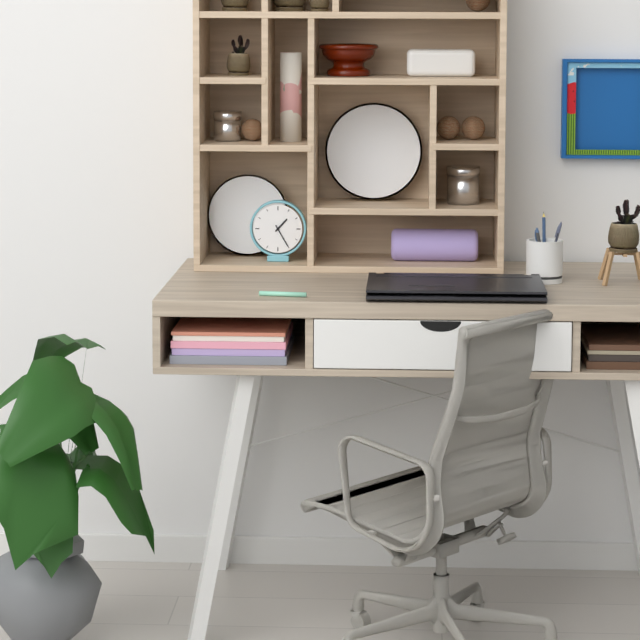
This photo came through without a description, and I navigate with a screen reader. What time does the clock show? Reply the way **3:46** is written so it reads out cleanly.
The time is **1:25**
